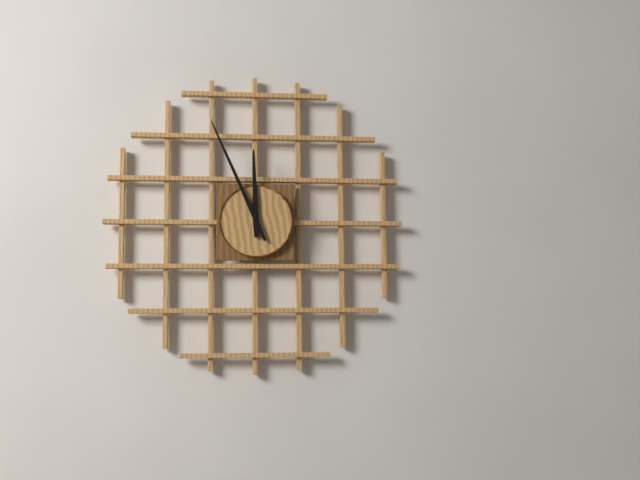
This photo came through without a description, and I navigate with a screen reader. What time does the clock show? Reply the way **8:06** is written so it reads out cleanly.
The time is **11:56**
